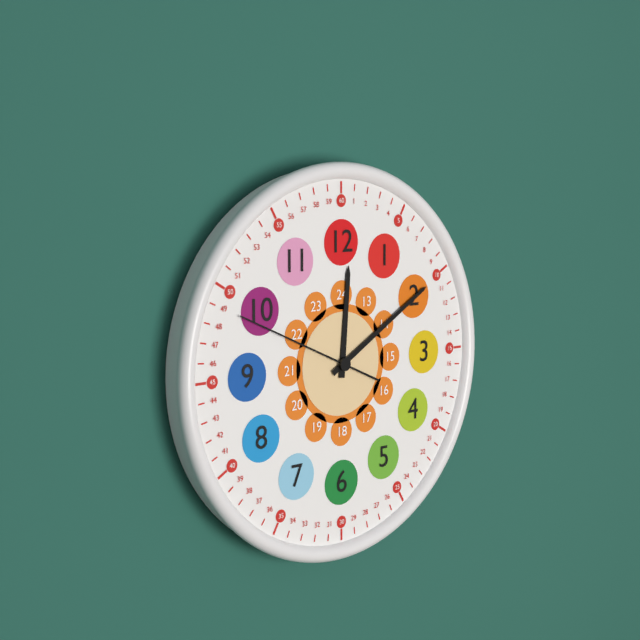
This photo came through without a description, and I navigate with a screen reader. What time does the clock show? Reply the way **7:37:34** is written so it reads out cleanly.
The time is **12:10:49**
